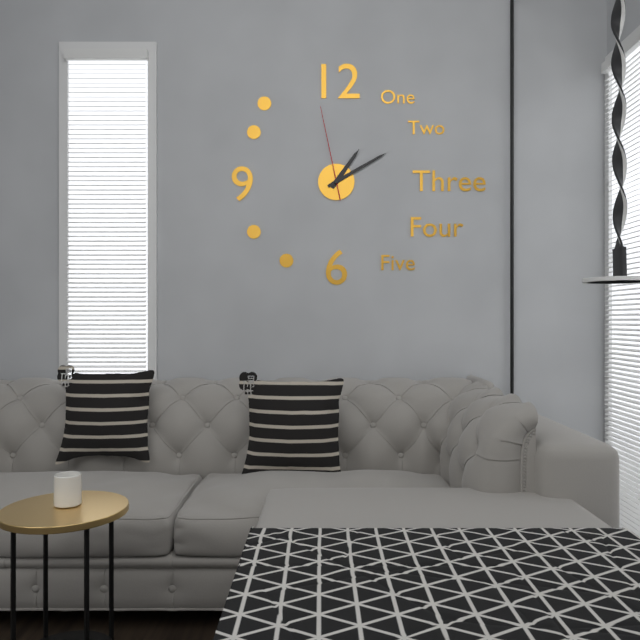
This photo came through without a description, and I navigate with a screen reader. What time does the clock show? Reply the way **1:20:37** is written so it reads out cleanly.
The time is **1:10:58**
